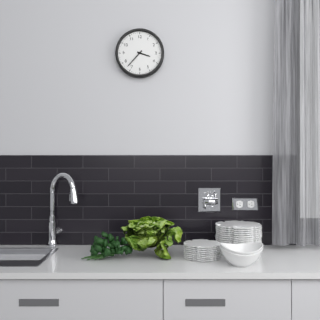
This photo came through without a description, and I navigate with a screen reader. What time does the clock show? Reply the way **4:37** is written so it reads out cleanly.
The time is **3:37**
